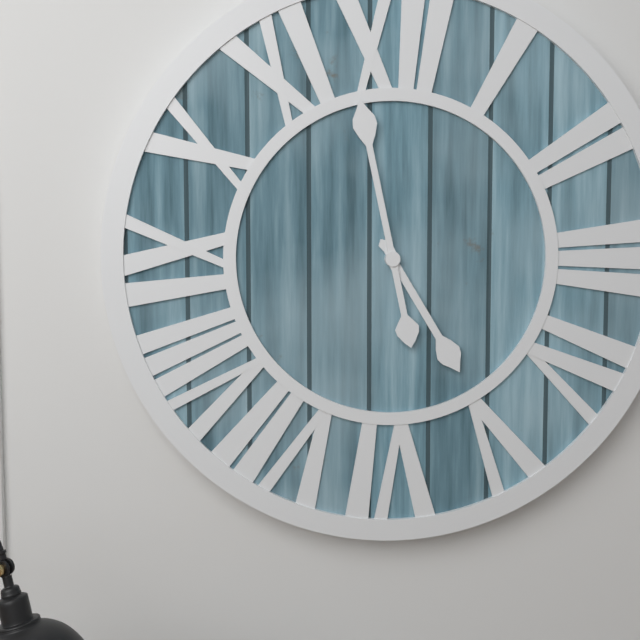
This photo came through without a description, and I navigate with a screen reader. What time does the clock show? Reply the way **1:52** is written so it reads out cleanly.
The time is **4:58**
